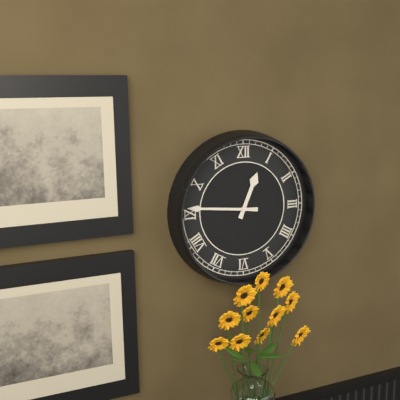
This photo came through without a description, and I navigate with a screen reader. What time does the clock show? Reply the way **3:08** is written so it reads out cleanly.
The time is **12:46**
